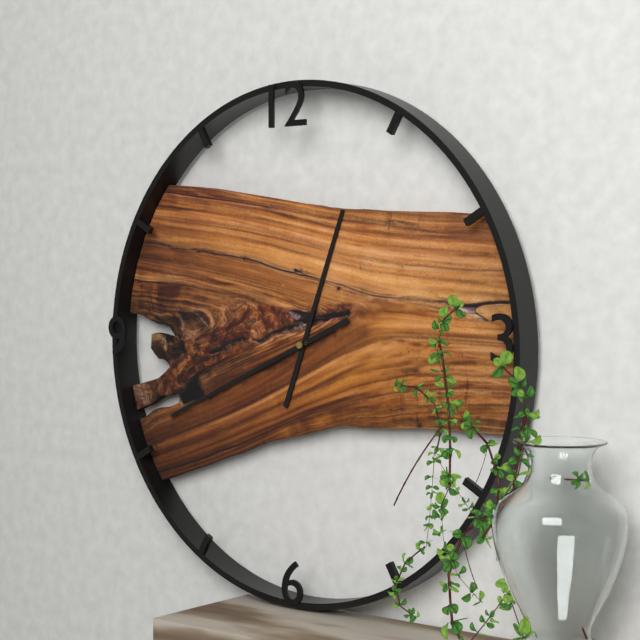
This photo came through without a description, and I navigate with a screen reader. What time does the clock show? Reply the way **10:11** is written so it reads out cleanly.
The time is **12:41**
